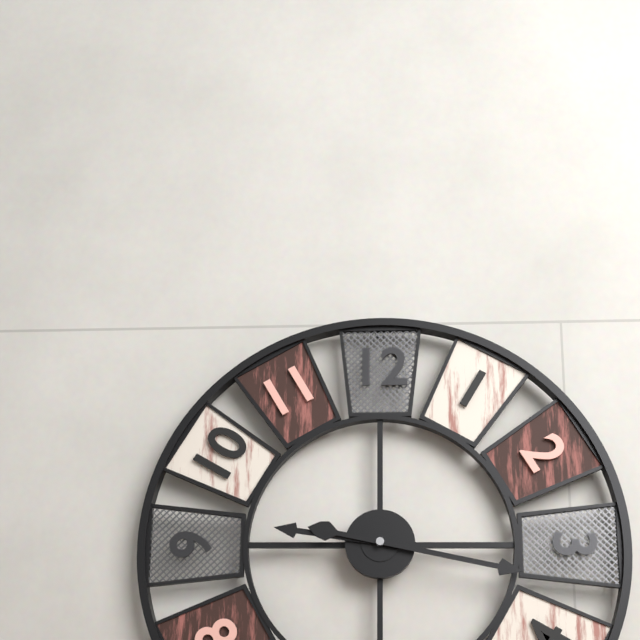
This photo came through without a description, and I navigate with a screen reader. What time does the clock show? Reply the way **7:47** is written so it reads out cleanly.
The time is **9:17**
